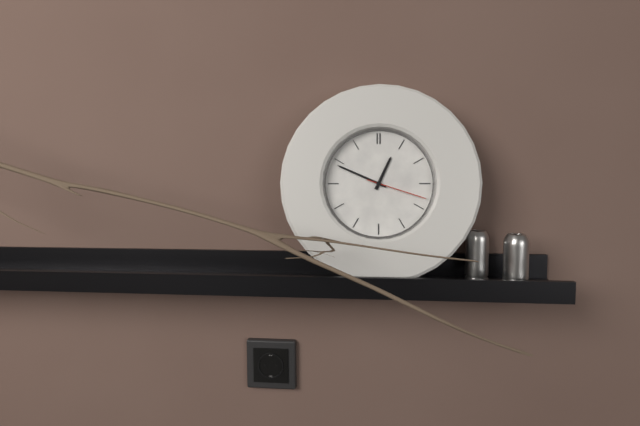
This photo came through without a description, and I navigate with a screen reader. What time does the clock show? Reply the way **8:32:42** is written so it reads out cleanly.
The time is **12:49:18**
